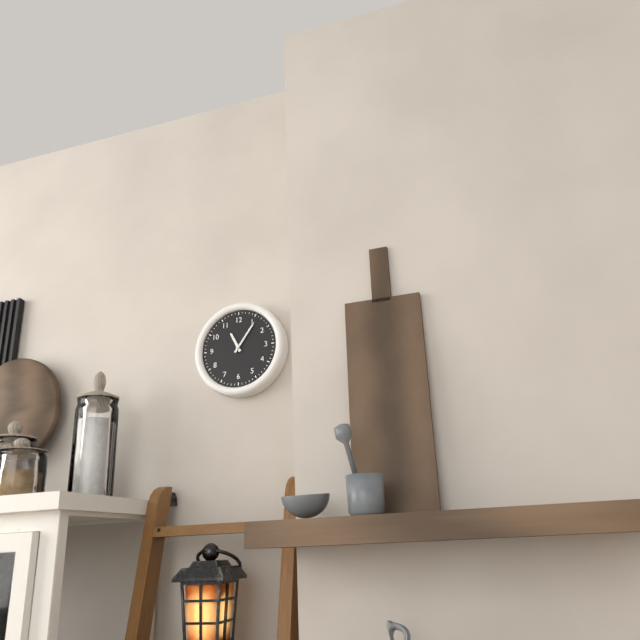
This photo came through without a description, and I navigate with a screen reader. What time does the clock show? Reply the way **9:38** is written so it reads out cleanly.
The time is **11:06**
